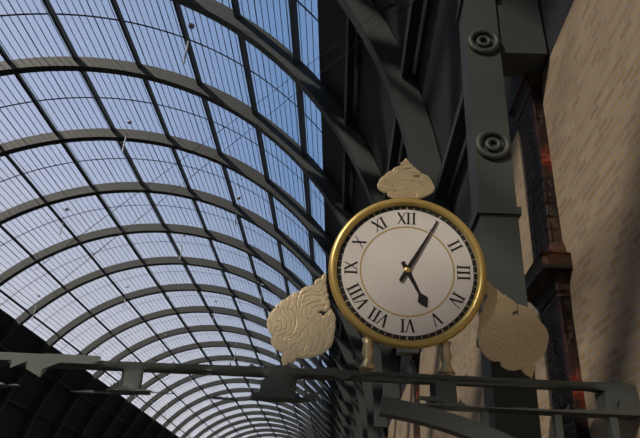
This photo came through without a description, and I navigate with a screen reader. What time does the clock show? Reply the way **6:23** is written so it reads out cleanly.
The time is **5:05**
